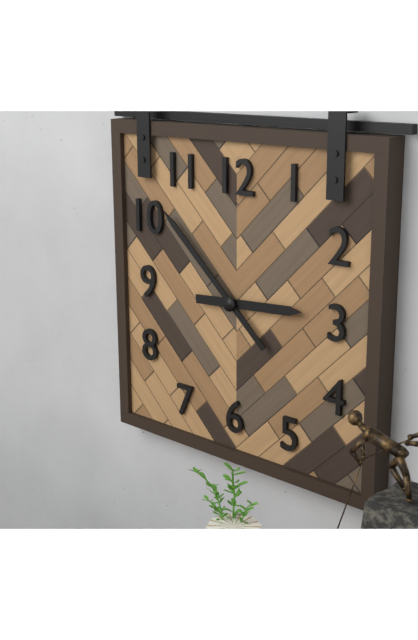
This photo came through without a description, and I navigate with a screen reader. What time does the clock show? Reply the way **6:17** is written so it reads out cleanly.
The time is **2:52**
